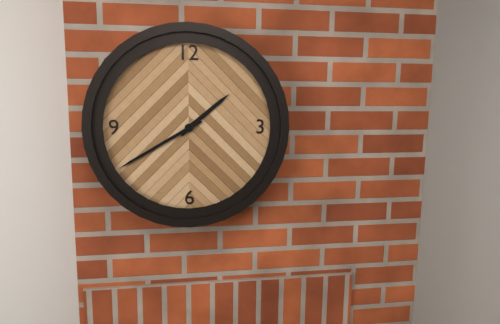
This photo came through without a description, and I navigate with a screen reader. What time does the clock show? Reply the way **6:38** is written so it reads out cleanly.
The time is **1:40**
